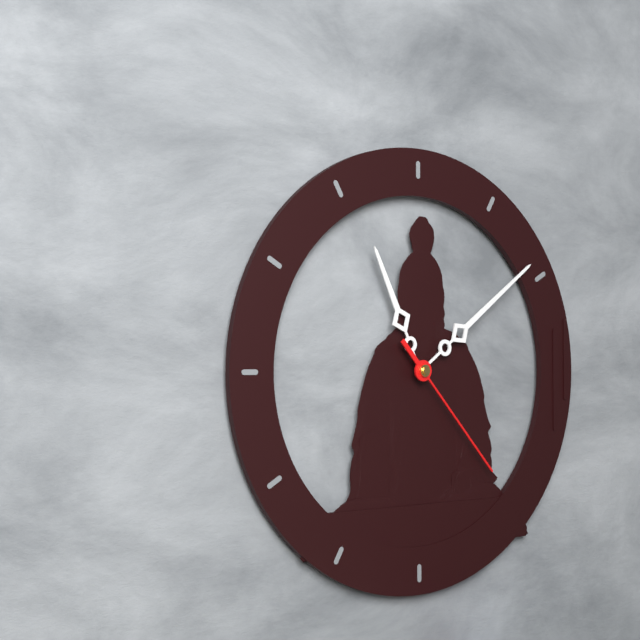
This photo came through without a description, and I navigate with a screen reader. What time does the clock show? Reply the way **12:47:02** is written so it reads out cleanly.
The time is **11:09:23**
